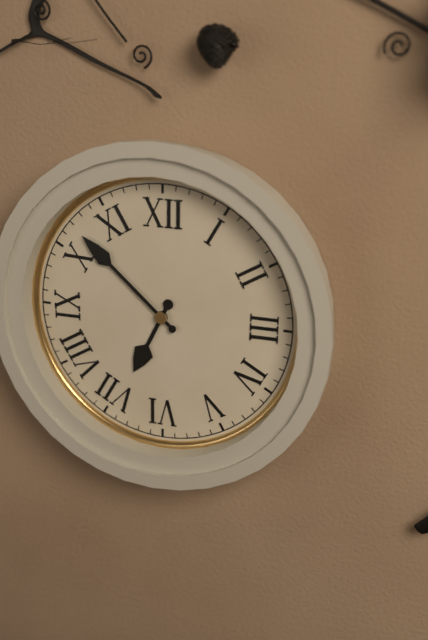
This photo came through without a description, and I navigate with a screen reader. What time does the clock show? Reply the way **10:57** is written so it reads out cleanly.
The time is **6:52**
